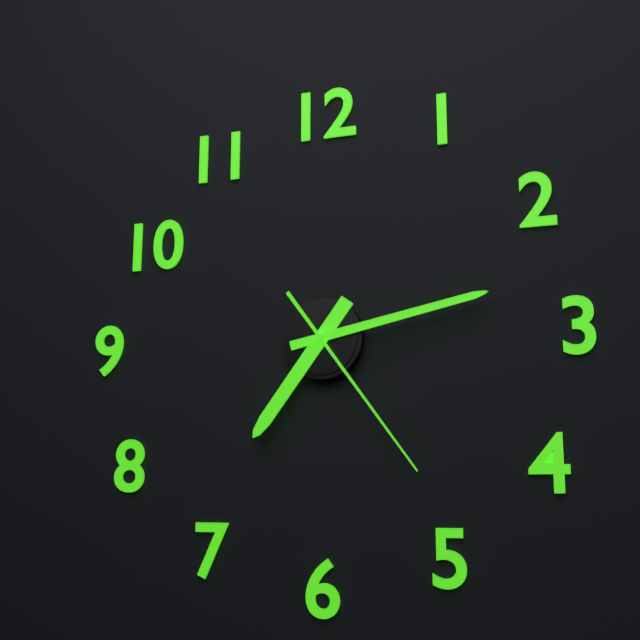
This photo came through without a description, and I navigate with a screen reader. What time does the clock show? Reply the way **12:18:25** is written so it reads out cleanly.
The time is **7:13:24**
